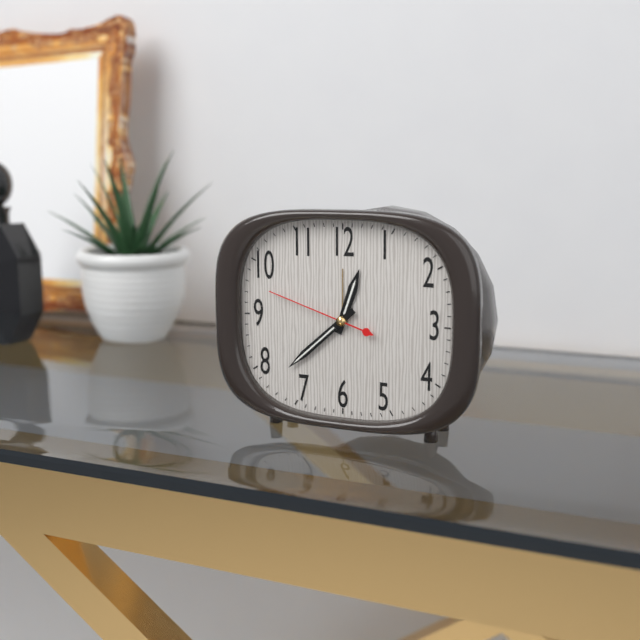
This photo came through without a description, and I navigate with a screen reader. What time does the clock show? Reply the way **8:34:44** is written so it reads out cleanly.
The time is **12:38:48**
